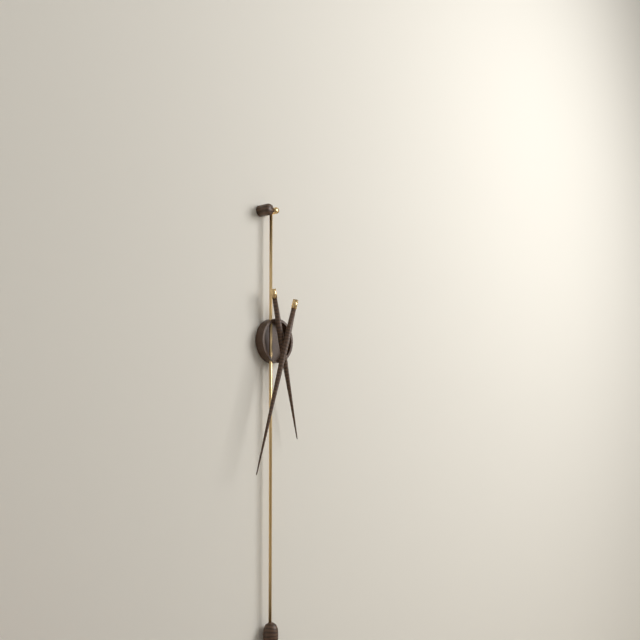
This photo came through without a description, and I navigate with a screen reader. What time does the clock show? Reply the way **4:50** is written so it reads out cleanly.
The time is **5:33**
